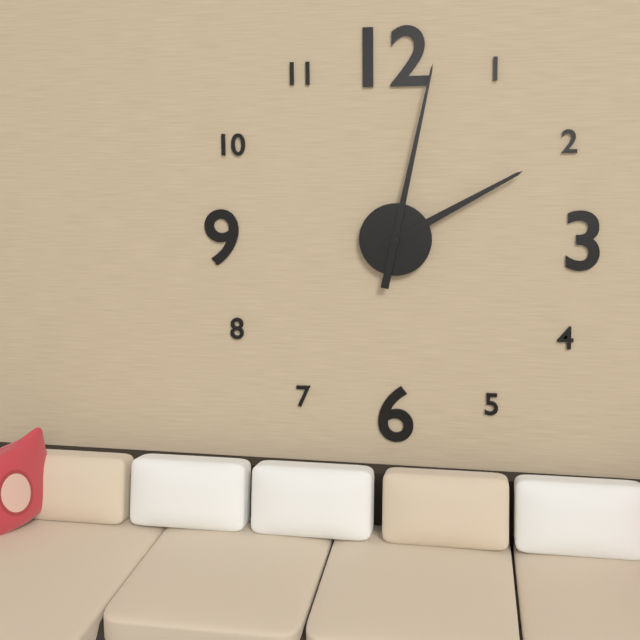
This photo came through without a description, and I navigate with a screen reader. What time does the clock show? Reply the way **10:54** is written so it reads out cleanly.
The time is **2:02**
